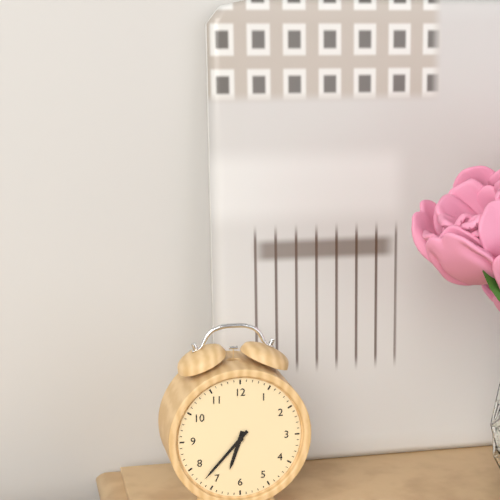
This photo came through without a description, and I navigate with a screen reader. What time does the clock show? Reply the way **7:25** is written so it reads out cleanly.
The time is **6:37**
